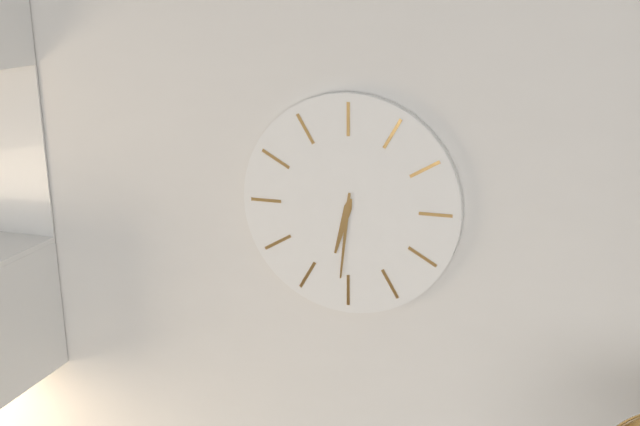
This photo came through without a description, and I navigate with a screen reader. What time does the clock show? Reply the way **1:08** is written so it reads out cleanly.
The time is **6:31**
